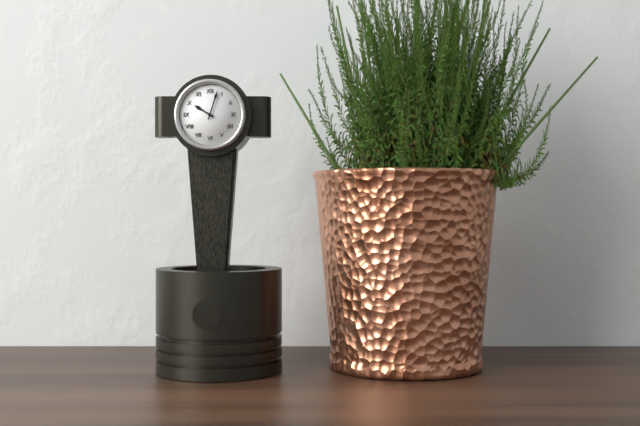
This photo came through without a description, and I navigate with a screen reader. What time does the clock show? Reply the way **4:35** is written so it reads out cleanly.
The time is **10:03**
